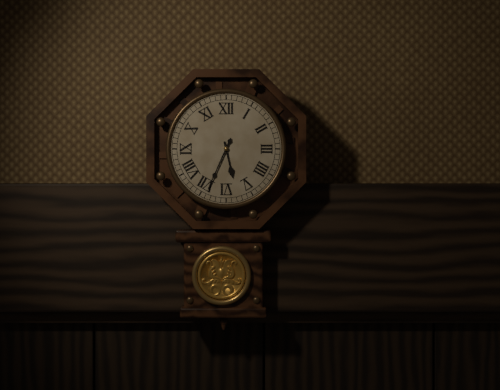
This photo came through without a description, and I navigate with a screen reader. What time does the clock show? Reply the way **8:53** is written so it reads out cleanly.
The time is **5:34**
